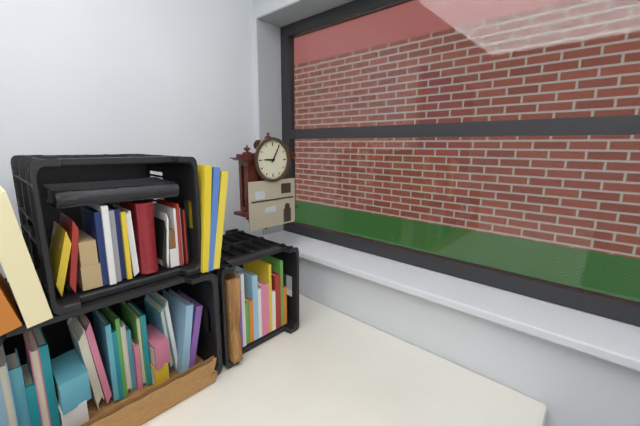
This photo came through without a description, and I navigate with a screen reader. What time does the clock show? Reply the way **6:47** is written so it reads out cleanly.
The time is **9:05**
